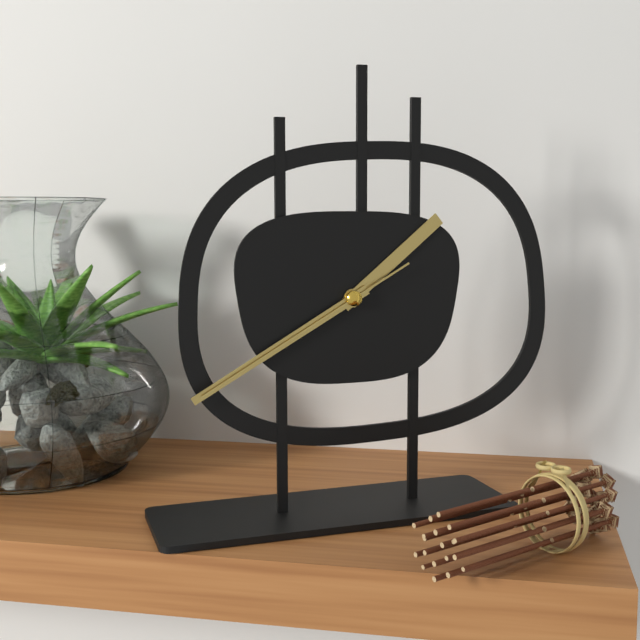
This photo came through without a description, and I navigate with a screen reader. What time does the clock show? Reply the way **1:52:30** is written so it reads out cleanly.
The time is **1:40:40**
